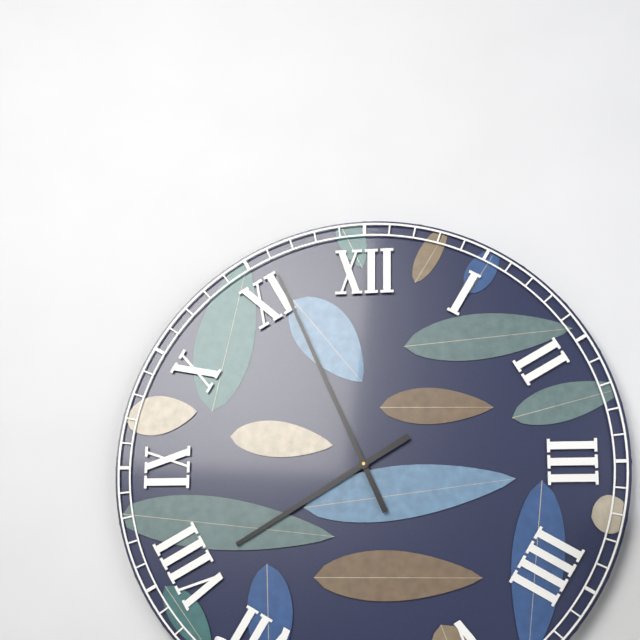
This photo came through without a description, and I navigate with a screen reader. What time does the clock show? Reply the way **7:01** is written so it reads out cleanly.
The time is **7:56**
